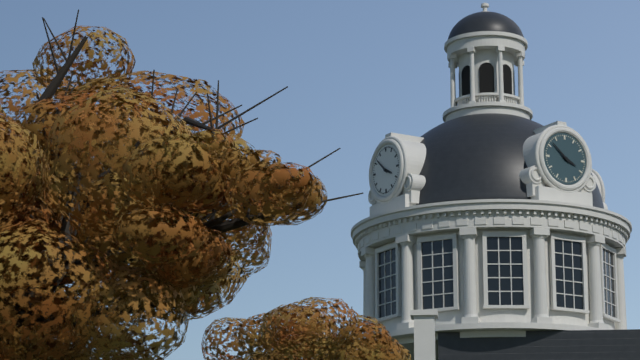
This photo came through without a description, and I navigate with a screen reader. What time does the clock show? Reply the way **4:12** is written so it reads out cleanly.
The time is **3:52**
